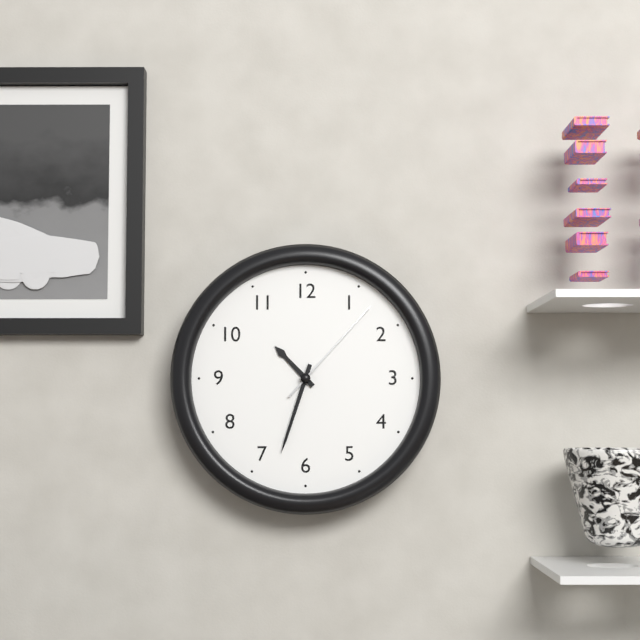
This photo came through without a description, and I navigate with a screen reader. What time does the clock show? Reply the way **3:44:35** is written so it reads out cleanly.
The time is **10:33:07**
